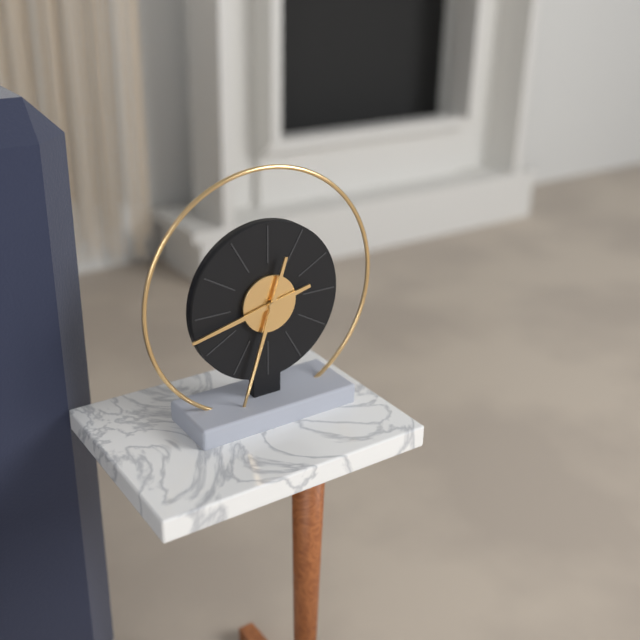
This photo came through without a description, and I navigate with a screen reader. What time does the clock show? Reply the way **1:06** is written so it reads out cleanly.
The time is **8:33**
